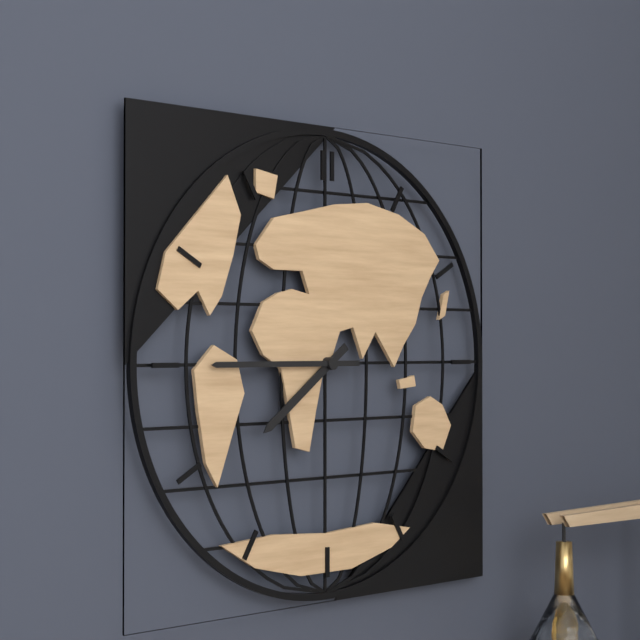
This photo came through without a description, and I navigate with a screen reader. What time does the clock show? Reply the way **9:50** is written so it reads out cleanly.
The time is **7:45**
